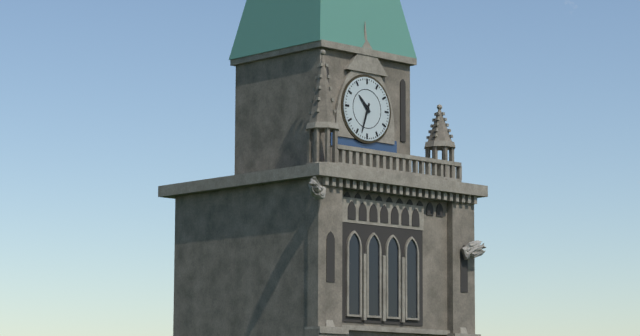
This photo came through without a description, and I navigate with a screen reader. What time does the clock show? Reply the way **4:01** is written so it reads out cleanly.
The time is **10:33**
